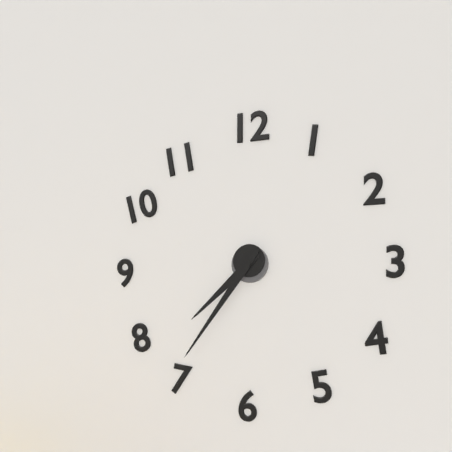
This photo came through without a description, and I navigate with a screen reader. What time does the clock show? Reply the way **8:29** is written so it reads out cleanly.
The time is **7:36**
